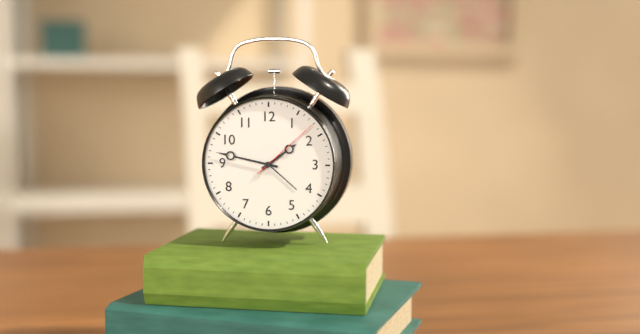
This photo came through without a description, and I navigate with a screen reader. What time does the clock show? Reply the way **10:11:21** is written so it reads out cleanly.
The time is **1:47:08**
